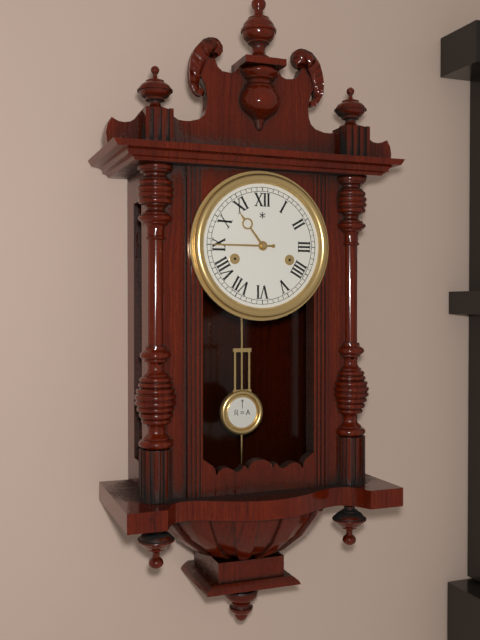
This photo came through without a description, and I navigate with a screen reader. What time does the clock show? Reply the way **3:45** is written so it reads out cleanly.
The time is **10:45**
